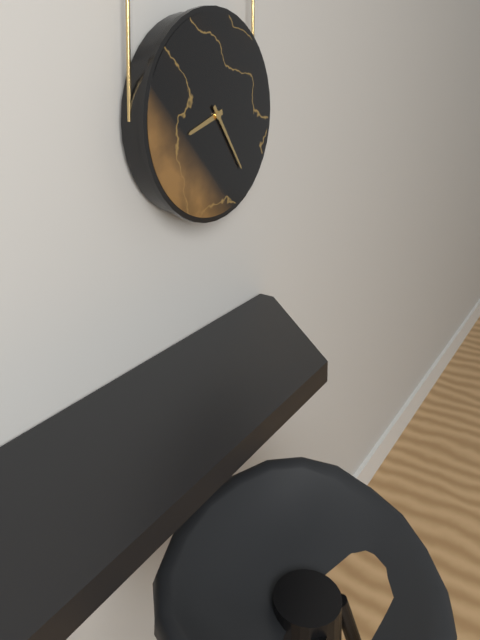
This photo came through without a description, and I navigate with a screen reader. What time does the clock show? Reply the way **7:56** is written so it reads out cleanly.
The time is **8:24**
